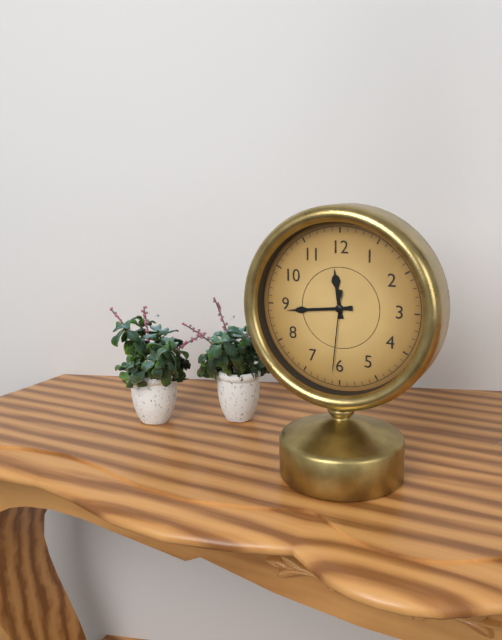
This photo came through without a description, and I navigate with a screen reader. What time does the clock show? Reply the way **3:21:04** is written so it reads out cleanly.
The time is **11:44:31**
